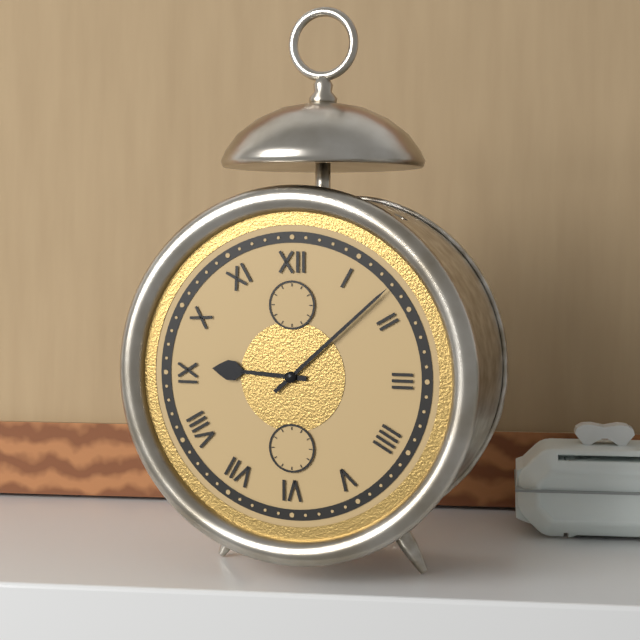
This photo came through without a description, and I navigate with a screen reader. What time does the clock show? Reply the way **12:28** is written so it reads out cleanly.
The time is **9:08**
